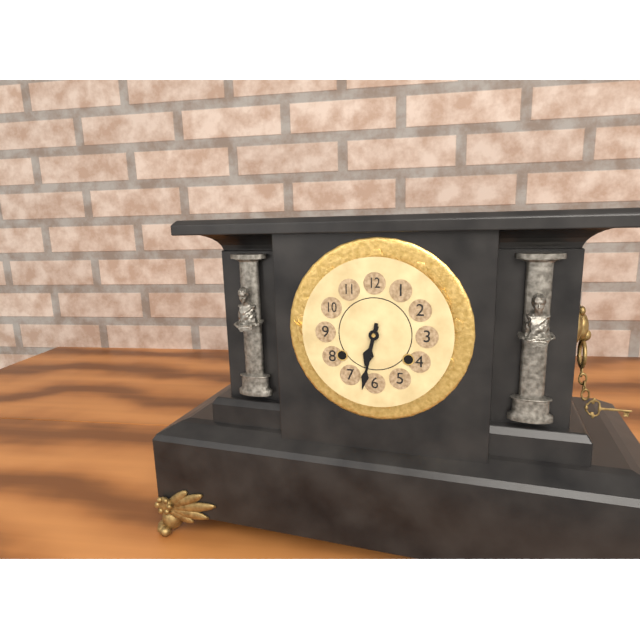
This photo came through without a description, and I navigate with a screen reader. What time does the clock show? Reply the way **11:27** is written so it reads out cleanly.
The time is **6:32**
